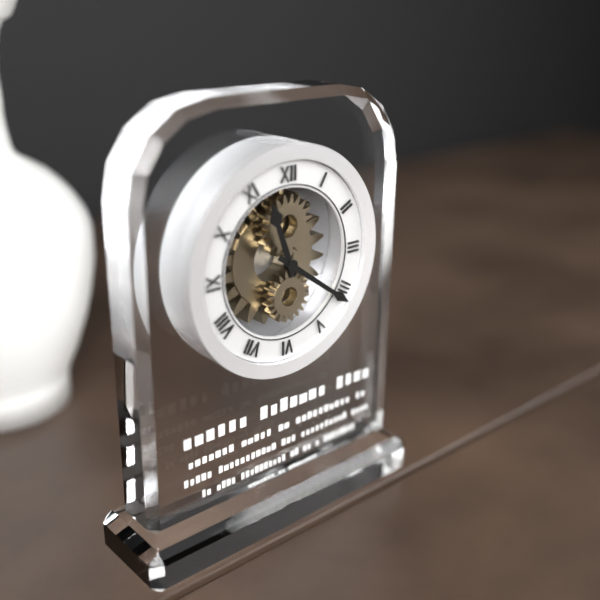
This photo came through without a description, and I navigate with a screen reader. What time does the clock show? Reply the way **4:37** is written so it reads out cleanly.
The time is **11:21**
